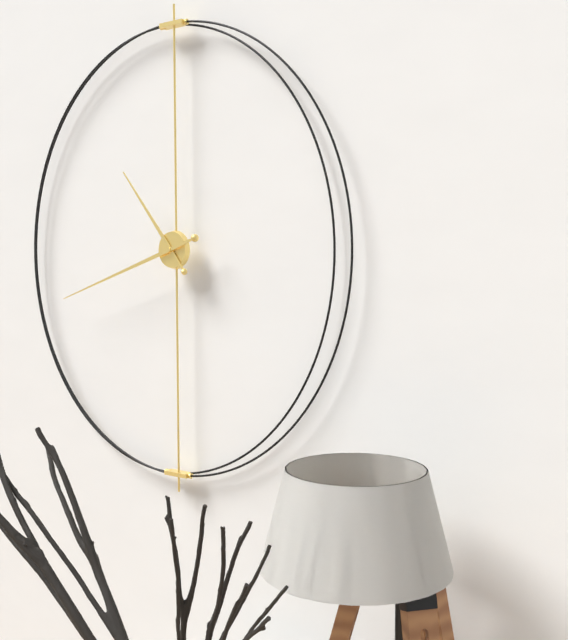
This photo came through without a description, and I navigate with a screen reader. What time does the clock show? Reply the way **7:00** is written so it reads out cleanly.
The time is **10:42**
